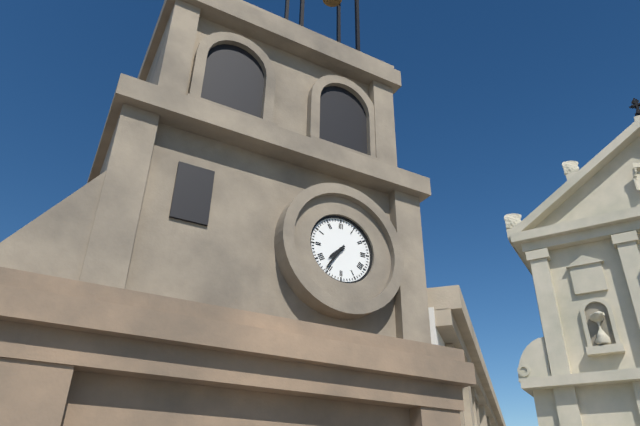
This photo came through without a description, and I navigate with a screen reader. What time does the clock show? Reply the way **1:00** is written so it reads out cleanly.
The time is **7:36**
